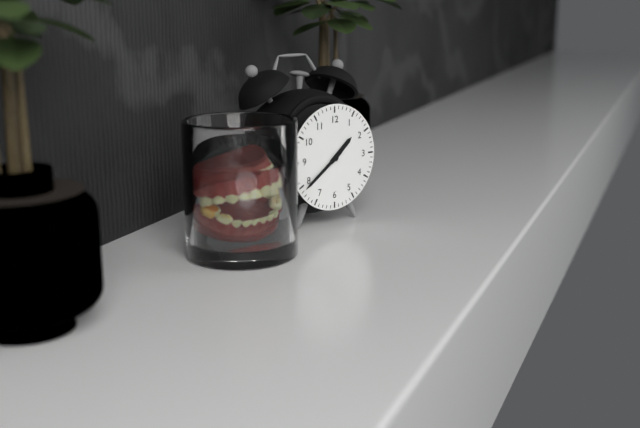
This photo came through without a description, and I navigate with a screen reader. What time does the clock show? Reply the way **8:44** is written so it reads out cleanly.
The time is **1:39**
